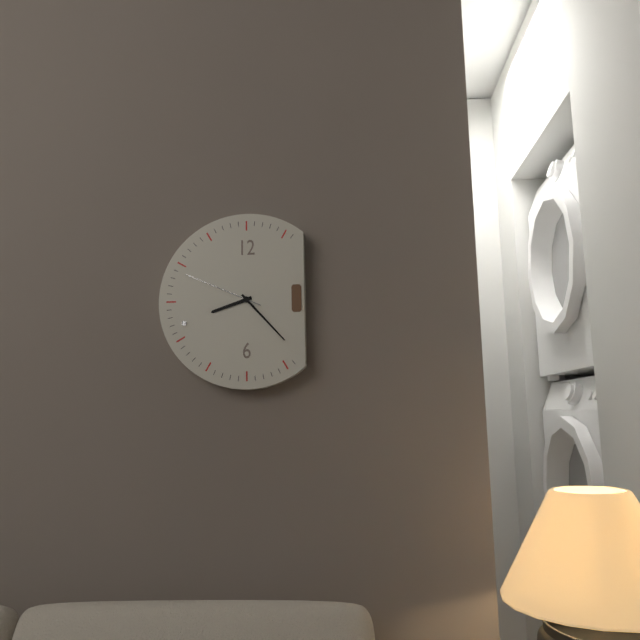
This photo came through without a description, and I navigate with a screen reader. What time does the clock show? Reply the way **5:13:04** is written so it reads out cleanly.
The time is **8:23:49**
